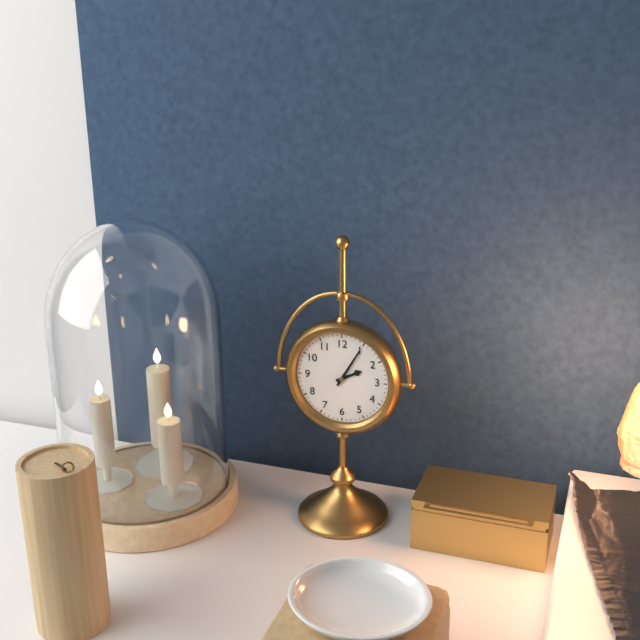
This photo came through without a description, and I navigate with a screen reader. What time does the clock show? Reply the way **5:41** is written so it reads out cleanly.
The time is **2:05**
